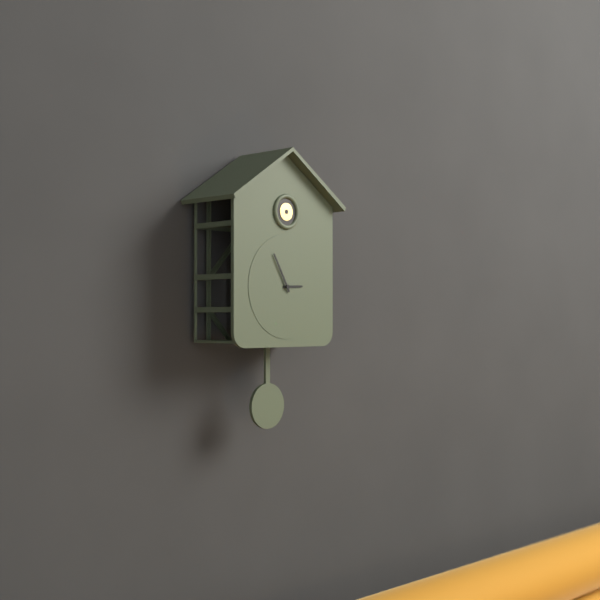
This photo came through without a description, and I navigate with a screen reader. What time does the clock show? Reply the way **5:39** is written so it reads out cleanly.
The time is **2:55**
